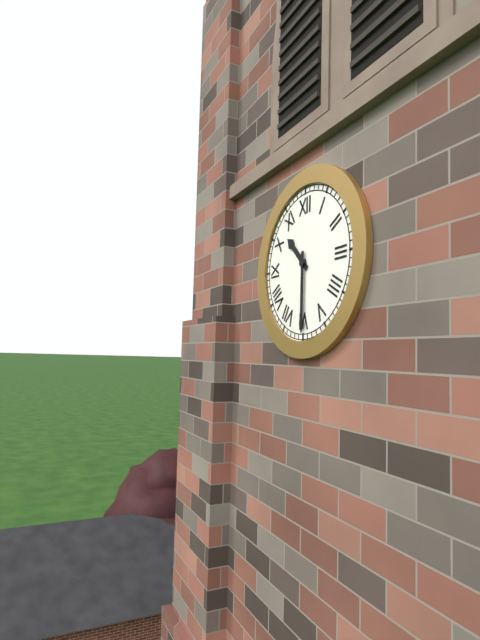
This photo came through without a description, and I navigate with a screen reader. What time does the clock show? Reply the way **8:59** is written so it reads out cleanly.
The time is **10:30**
